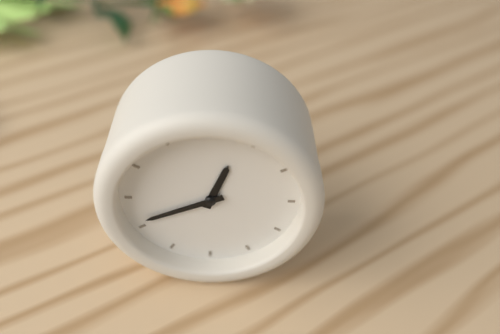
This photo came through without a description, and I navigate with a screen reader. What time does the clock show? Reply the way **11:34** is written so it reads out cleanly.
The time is **12:41**
